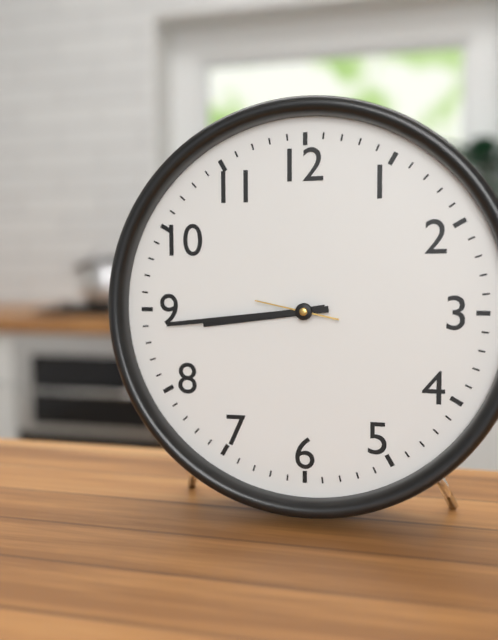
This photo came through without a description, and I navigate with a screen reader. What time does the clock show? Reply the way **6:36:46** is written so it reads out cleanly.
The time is **8:44:47**
